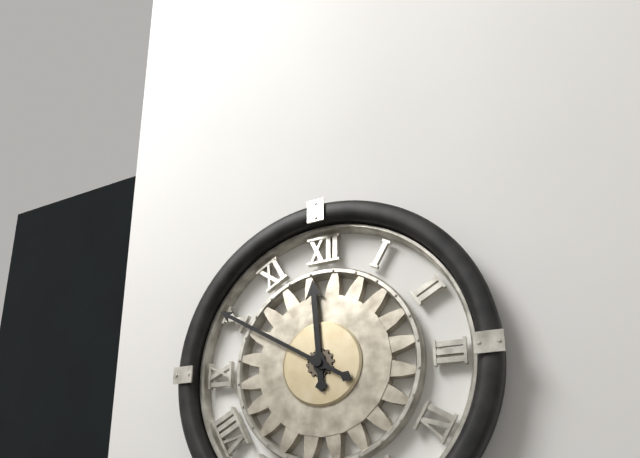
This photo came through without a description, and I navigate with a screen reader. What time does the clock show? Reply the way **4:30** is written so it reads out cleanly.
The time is **11:50**
